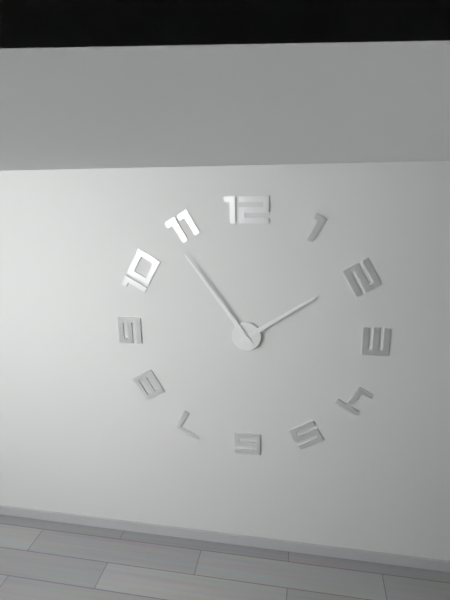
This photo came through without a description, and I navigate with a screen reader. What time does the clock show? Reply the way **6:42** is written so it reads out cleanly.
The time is **1:54**
